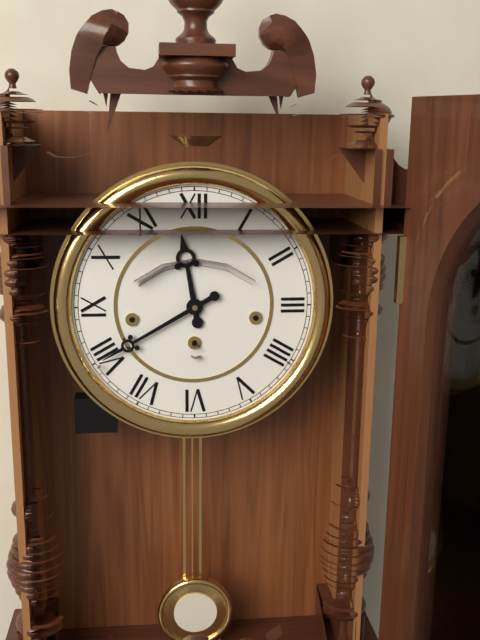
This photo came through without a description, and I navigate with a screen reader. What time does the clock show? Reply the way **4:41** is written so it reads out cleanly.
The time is **11:40**
